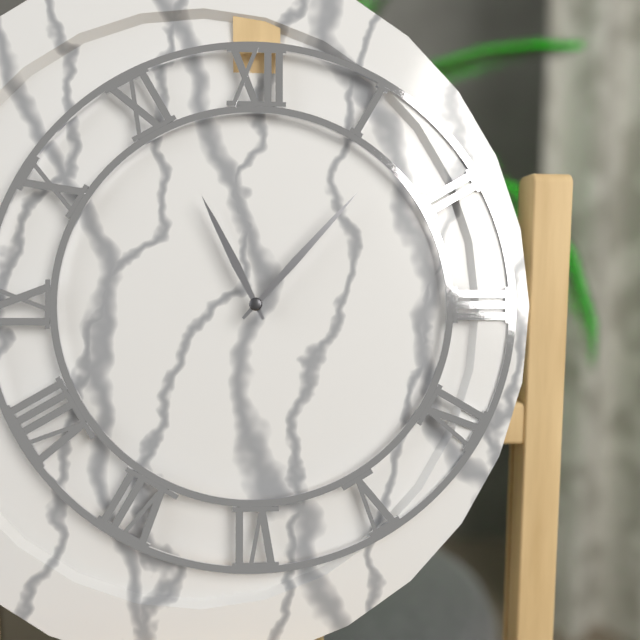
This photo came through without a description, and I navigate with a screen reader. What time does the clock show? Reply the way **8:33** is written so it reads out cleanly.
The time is **11:07**
